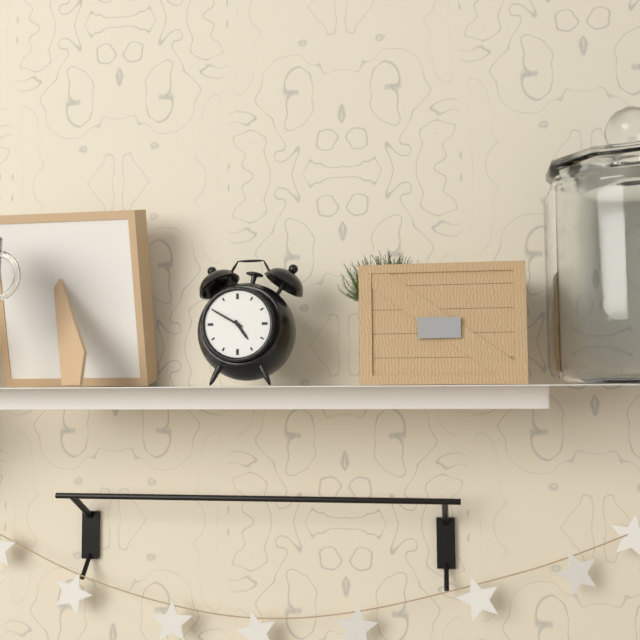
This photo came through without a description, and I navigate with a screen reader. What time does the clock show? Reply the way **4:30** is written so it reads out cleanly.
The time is **4:50**
